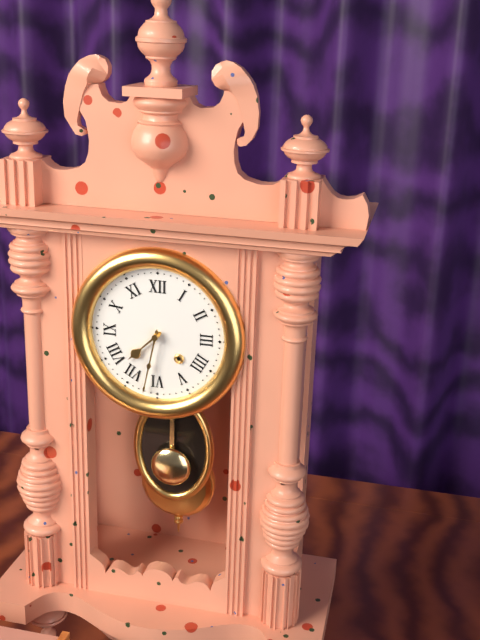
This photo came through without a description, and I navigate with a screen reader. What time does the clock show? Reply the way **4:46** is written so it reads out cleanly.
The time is **7:32**
